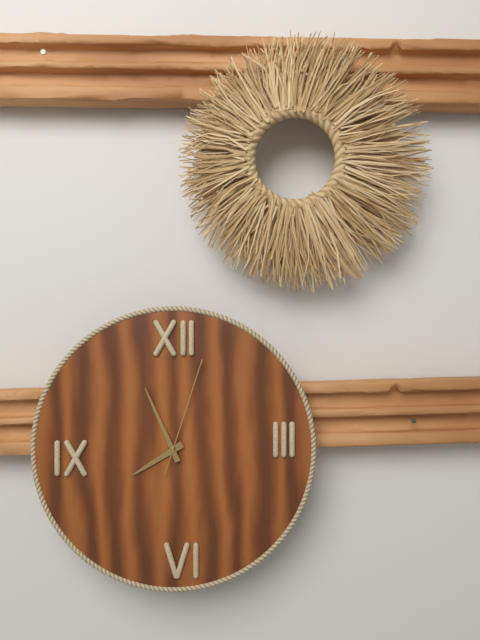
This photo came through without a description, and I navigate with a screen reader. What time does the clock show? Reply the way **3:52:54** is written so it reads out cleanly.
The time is **7:56:03**
